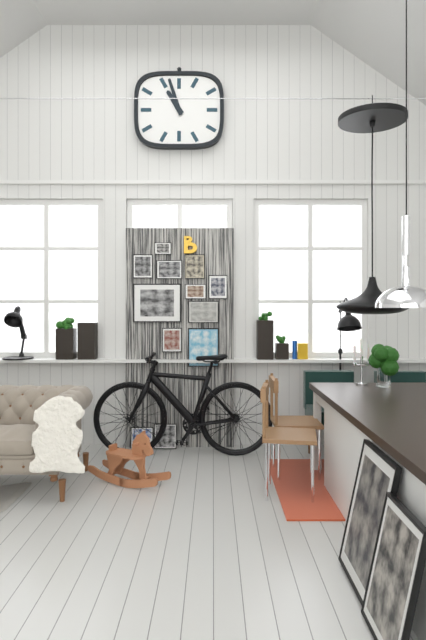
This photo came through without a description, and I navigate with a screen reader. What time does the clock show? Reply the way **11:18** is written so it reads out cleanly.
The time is **10:57**
